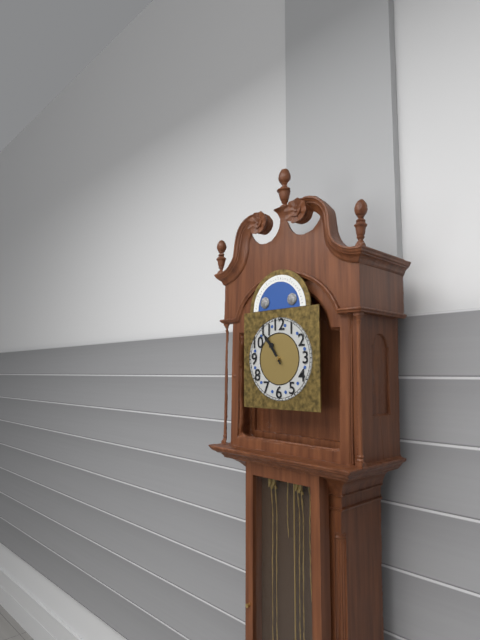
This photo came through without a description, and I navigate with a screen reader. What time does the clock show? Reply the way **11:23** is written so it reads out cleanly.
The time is **10:54**
